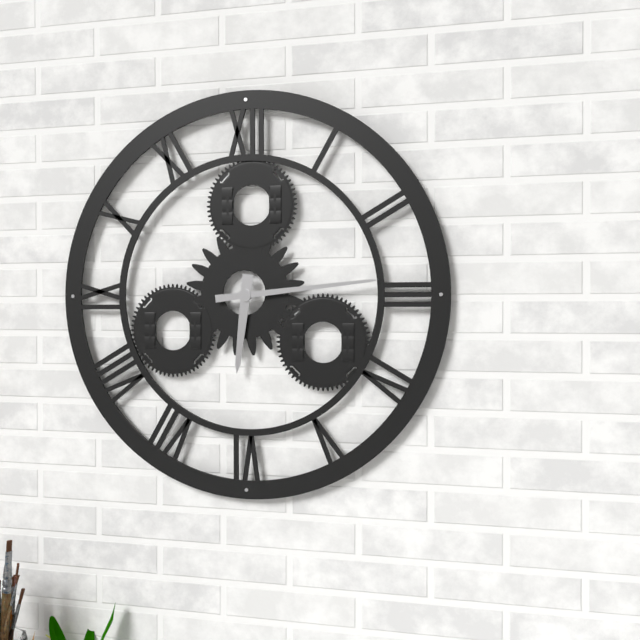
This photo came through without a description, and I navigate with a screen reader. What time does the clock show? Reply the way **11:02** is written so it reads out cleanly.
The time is **6:14**
